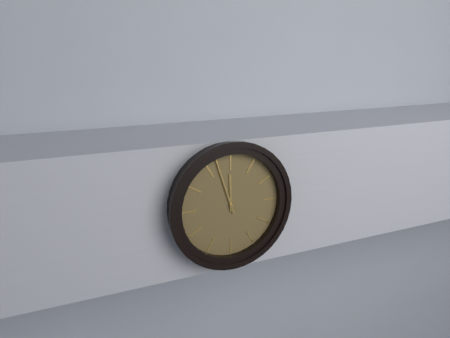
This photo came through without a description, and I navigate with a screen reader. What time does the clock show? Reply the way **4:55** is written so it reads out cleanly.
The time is **11:57**
